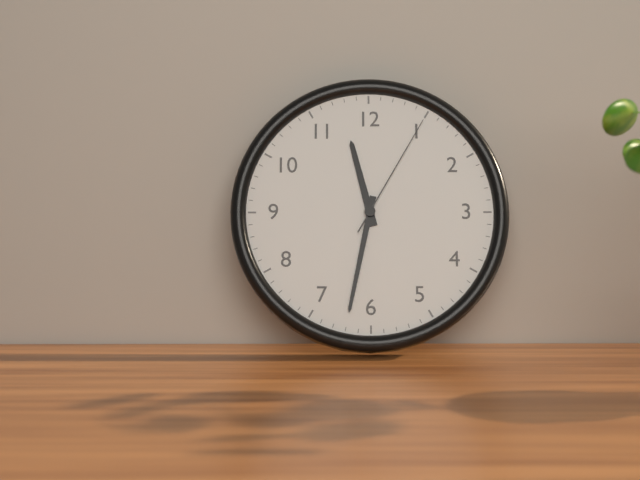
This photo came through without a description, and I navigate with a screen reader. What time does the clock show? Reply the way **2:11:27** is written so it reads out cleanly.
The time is **11:32:05**
